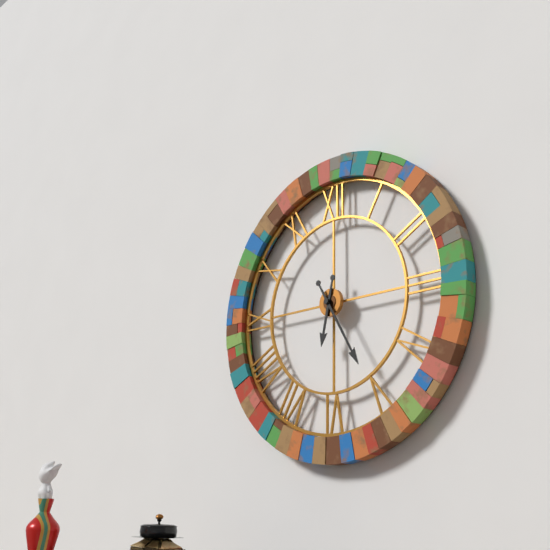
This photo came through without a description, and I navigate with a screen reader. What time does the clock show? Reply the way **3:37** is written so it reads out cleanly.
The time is **6:25**
